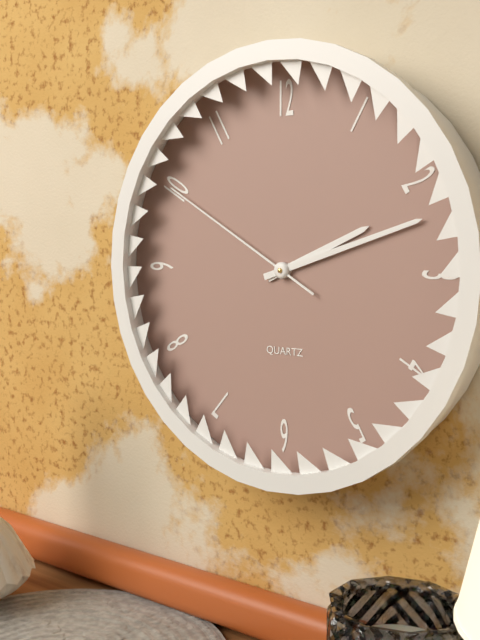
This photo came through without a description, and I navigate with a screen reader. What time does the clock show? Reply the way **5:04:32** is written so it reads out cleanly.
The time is **2:12:50**
